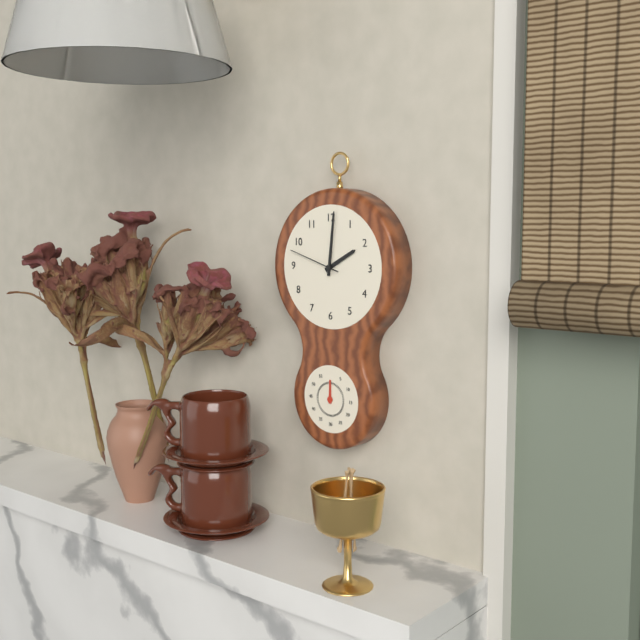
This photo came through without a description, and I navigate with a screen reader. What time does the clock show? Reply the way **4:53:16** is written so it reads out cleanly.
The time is **2:01:48**
